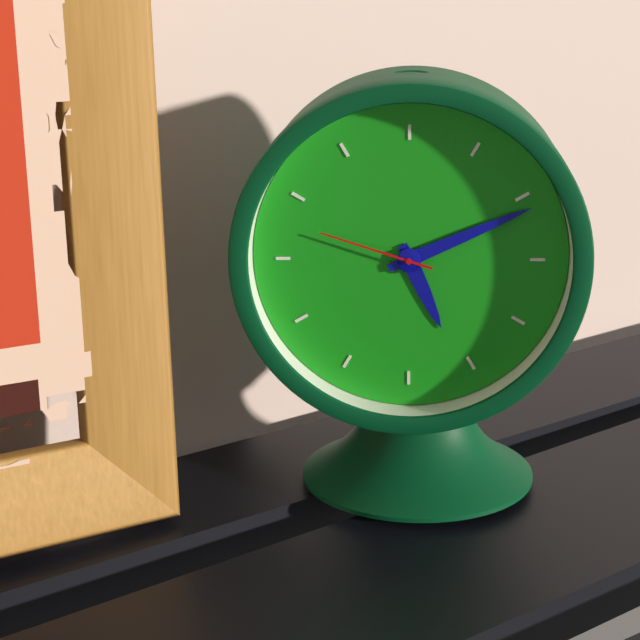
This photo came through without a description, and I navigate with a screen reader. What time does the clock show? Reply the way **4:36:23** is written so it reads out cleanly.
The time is **5:11:48**
